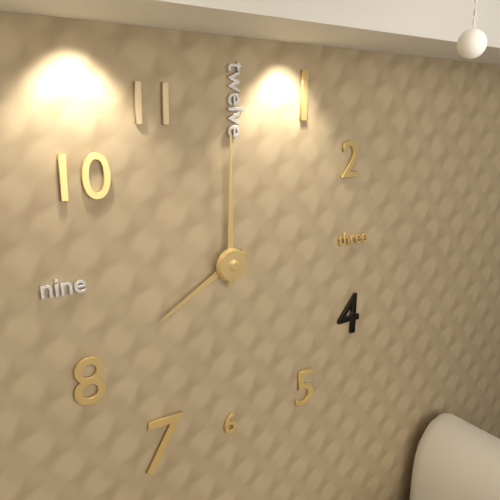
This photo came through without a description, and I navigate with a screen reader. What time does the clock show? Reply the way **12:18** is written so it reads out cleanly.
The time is **8:00**
